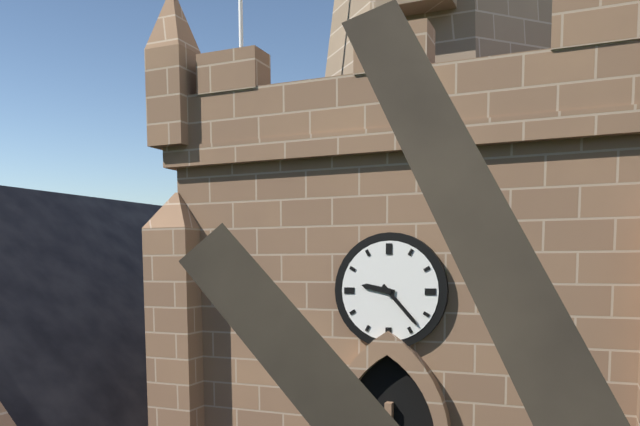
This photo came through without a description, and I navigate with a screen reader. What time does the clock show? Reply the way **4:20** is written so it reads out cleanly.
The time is **9:23**
